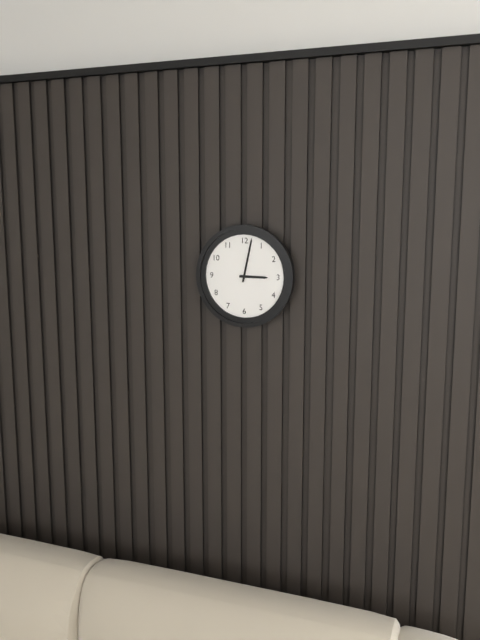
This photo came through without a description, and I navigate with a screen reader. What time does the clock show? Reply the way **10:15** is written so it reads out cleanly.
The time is **3:02**
